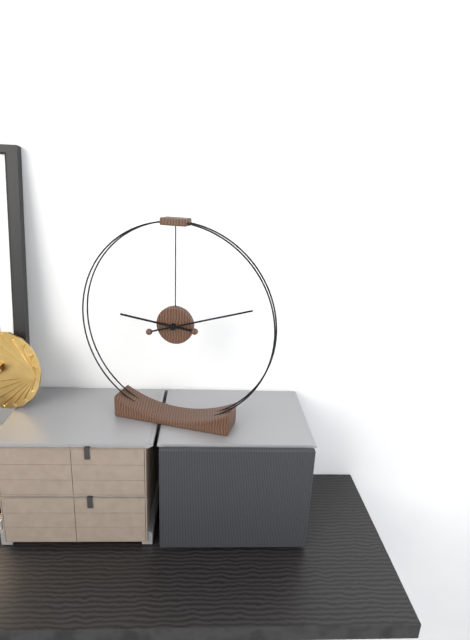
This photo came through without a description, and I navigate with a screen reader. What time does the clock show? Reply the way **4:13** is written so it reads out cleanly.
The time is **9:12**
